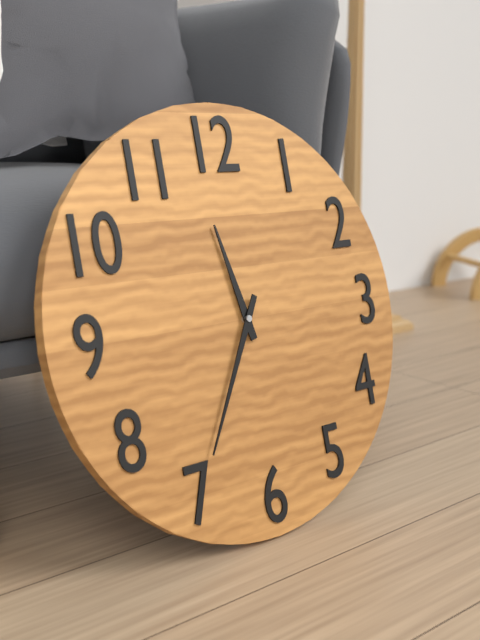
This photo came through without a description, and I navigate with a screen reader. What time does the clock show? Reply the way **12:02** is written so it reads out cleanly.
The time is **11:35**
